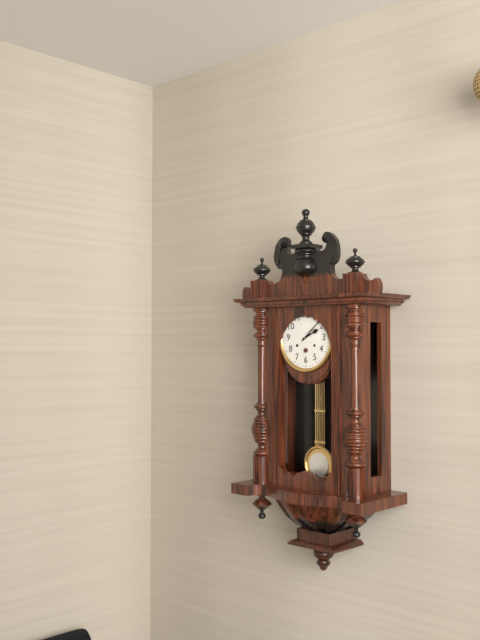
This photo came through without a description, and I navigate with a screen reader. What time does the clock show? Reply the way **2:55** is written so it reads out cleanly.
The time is **2:08**
